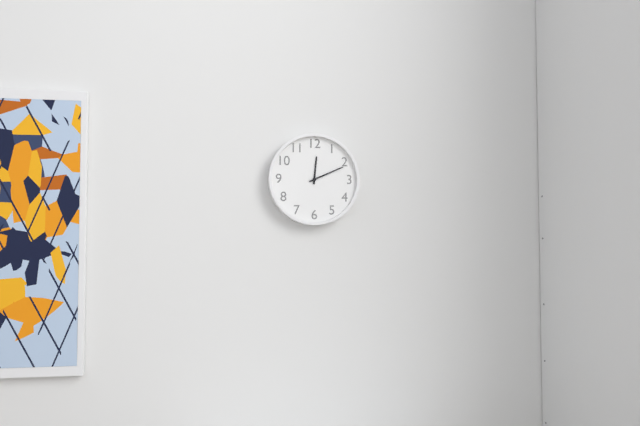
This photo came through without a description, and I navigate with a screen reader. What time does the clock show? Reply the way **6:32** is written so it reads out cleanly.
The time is **12:11**
